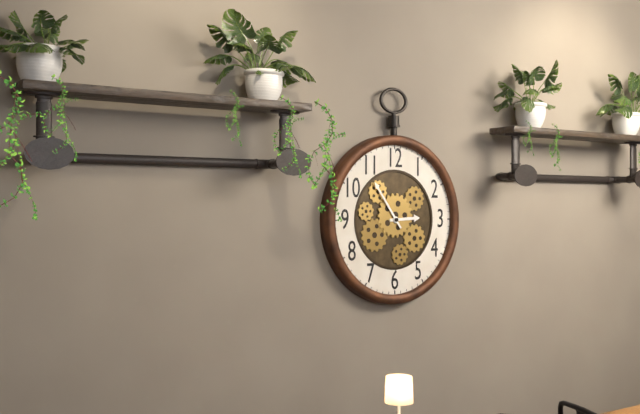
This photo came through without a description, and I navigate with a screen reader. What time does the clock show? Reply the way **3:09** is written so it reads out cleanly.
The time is **2:54**
